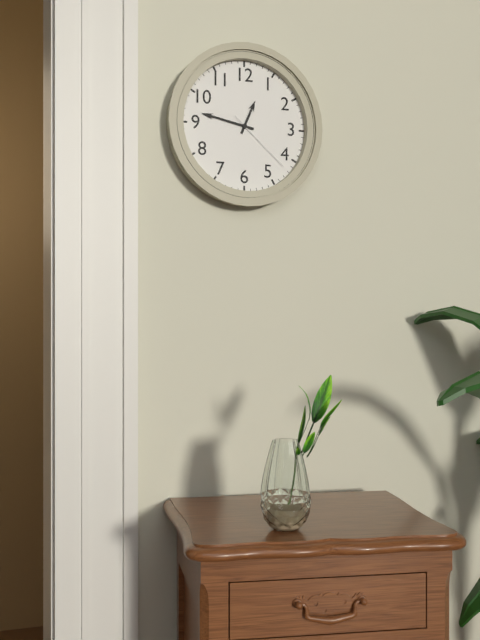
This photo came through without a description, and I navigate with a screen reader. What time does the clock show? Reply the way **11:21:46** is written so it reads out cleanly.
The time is **12:47:22**
